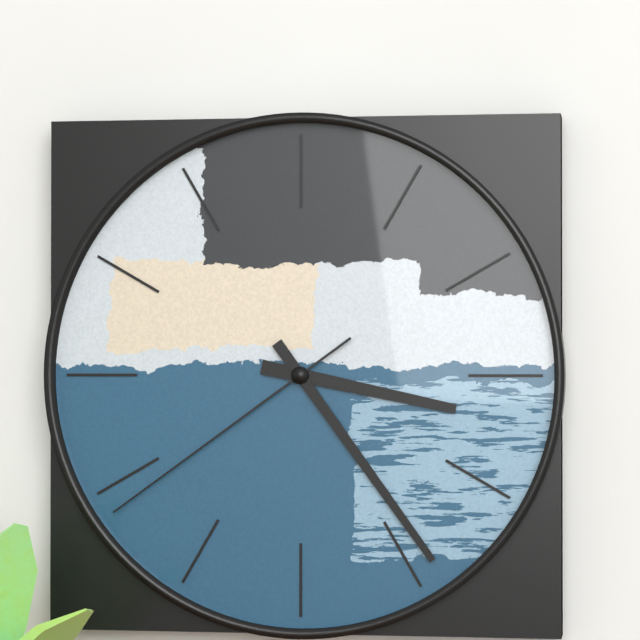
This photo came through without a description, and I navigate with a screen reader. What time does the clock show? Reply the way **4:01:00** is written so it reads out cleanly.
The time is **3:24:39**
